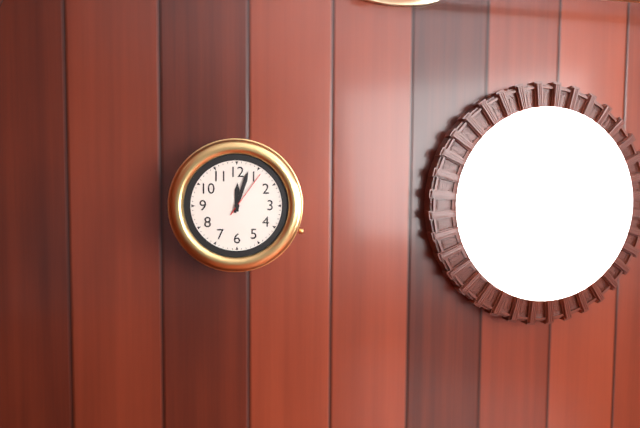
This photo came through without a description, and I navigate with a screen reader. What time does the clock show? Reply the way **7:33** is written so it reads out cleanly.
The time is **12:03**
